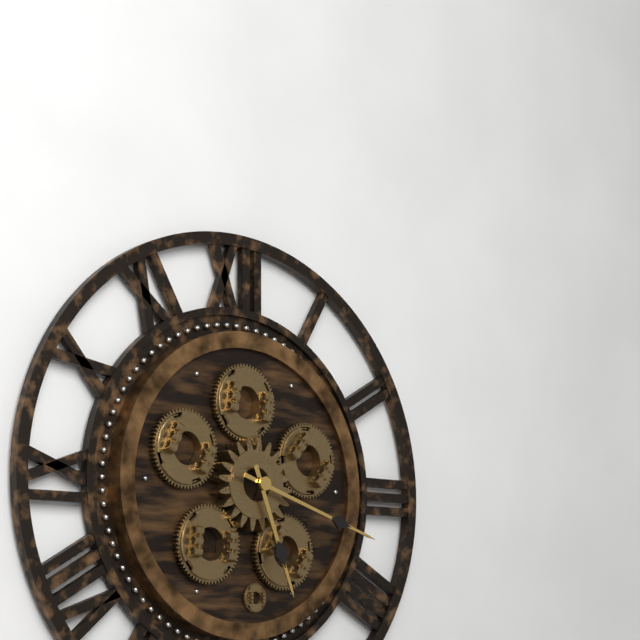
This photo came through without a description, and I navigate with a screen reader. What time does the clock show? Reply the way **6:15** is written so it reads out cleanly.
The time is **5:18**
